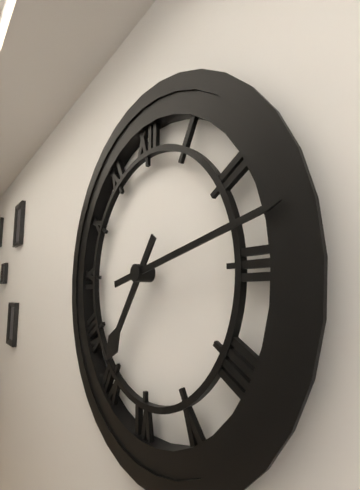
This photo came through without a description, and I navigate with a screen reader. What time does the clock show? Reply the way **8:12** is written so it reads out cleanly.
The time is **7:13**
